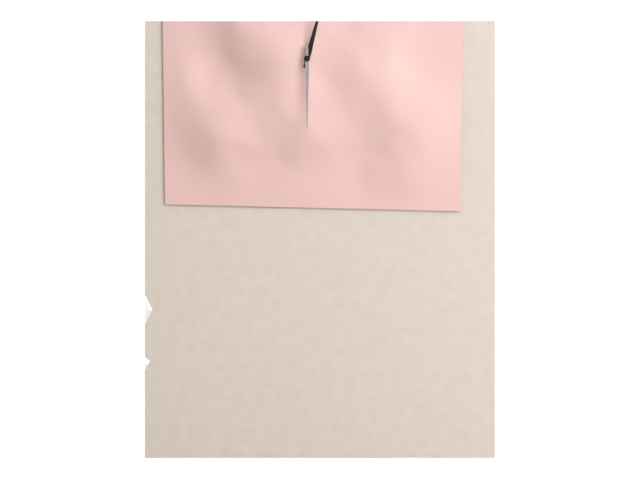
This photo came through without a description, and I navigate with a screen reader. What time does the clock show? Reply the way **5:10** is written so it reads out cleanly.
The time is **12:30**
